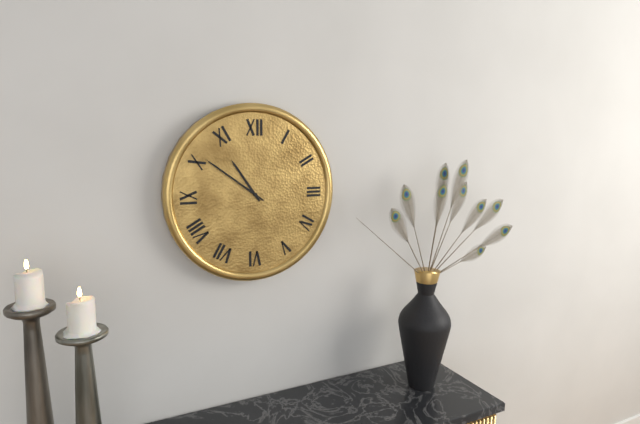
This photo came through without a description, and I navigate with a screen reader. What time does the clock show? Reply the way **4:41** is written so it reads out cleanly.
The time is **10:51**
